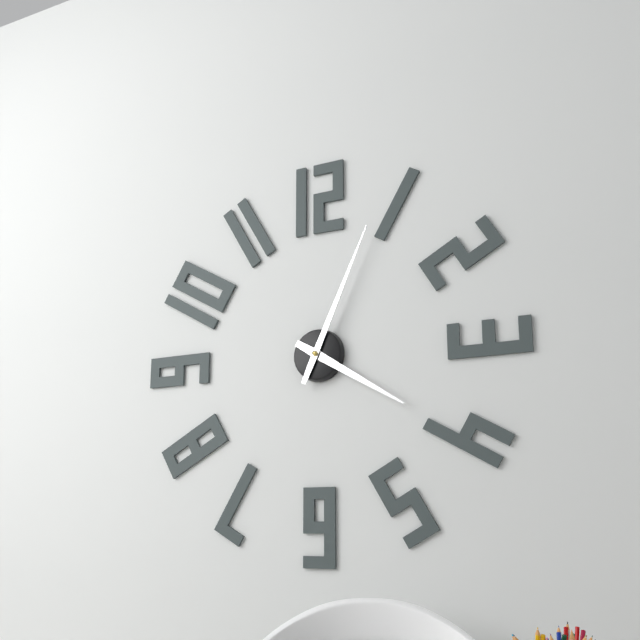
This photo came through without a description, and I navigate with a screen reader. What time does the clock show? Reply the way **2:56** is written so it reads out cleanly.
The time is **4:04**
